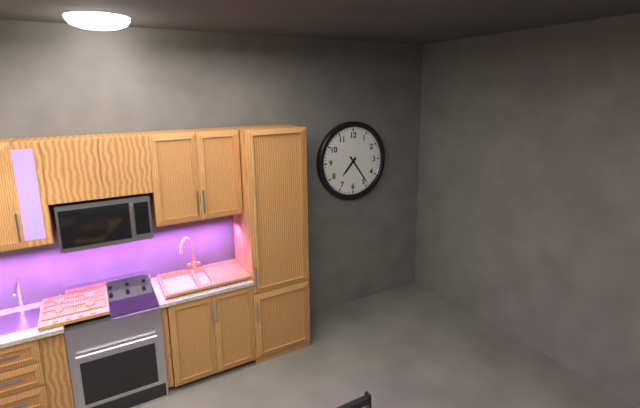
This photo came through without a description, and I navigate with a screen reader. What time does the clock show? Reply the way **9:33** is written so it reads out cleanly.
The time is **7:24**
